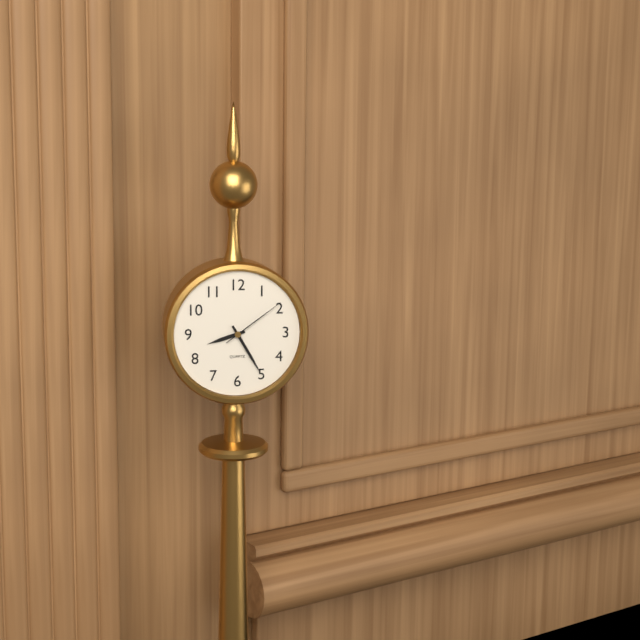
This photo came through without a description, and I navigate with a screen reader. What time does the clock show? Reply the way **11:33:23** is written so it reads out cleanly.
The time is **8:25:09**
